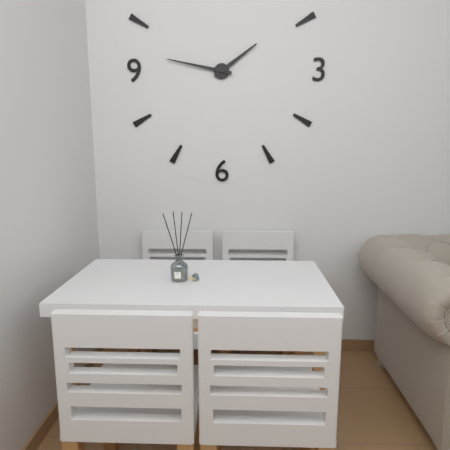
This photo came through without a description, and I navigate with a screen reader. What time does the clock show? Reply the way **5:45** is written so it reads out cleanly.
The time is **1:47**
